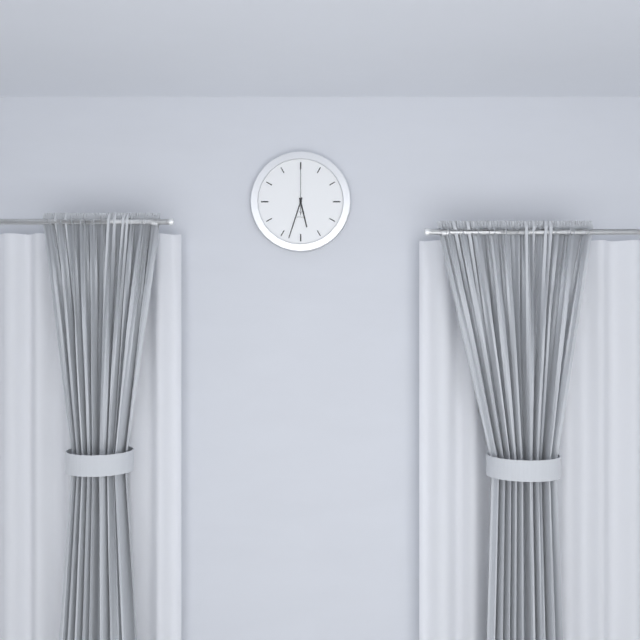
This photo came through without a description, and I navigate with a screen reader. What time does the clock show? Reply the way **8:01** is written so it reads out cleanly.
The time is **5:33**
